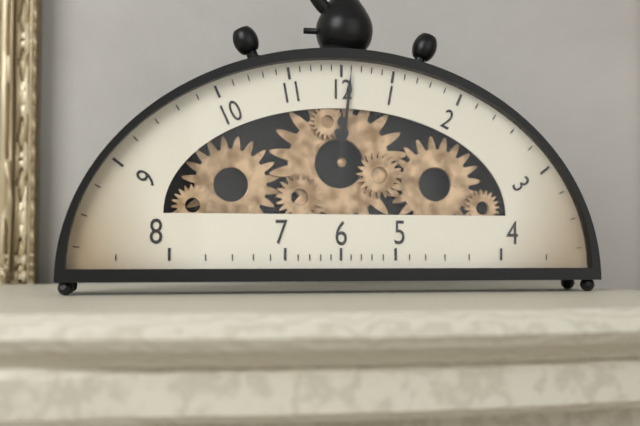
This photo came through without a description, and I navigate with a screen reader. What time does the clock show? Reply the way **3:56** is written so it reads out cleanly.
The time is **12:01**
